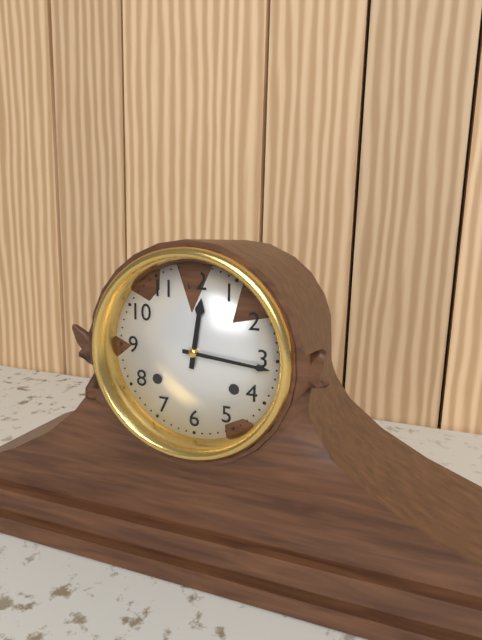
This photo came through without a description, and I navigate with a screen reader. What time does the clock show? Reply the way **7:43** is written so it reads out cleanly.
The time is **12:16**
